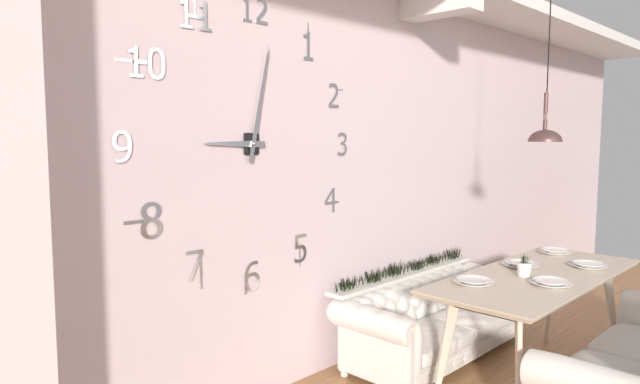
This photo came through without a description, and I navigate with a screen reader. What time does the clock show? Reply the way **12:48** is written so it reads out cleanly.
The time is **9:02**
